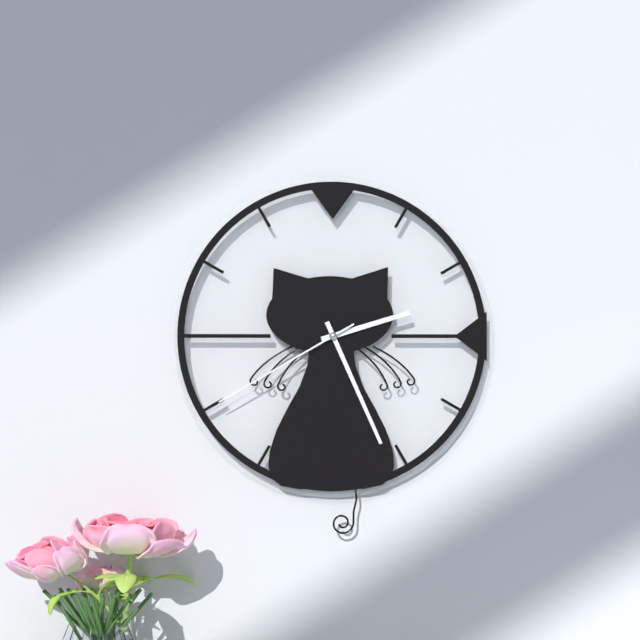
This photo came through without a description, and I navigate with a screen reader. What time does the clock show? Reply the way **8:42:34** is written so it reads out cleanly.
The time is **2:26:40**
